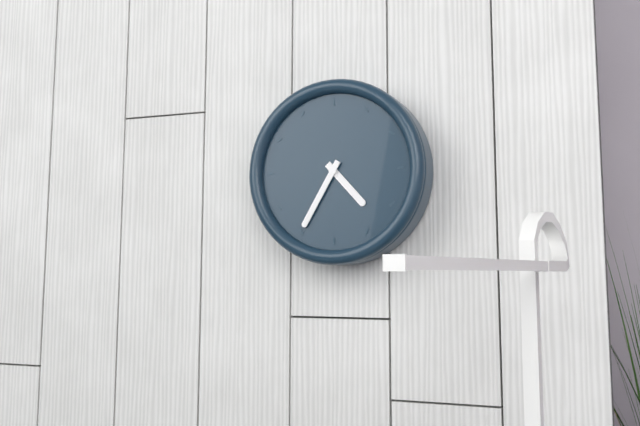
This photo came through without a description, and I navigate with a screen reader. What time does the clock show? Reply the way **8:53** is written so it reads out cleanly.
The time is **4:35**
